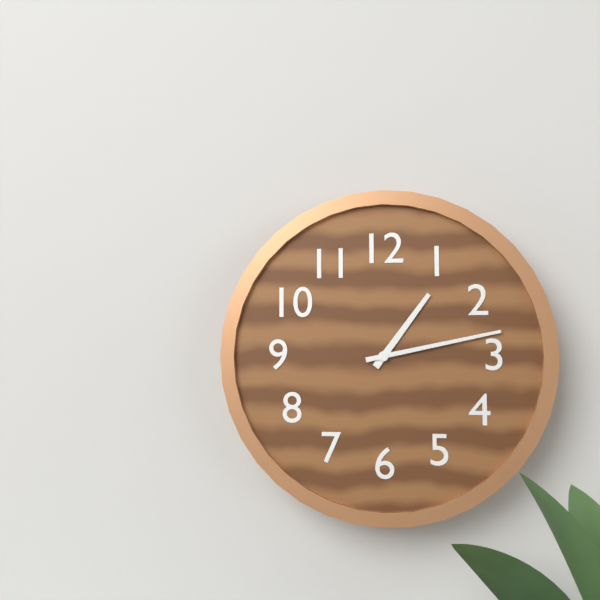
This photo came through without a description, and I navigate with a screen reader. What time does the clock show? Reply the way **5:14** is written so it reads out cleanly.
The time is **1:13**
